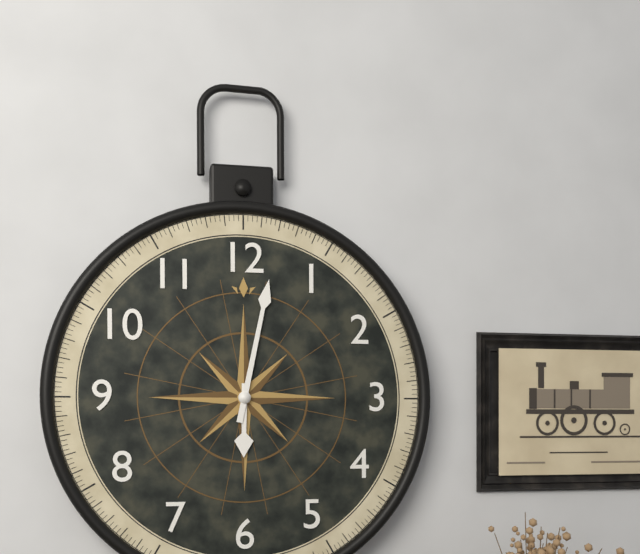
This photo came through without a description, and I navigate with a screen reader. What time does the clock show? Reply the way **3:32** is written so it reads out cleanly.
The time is **6:02**
